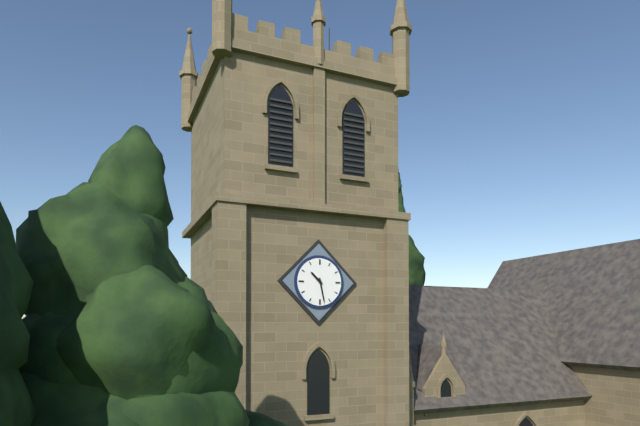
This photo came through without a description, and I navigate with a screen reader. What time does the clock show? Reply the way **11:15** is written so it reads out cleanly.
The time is **10:28**
